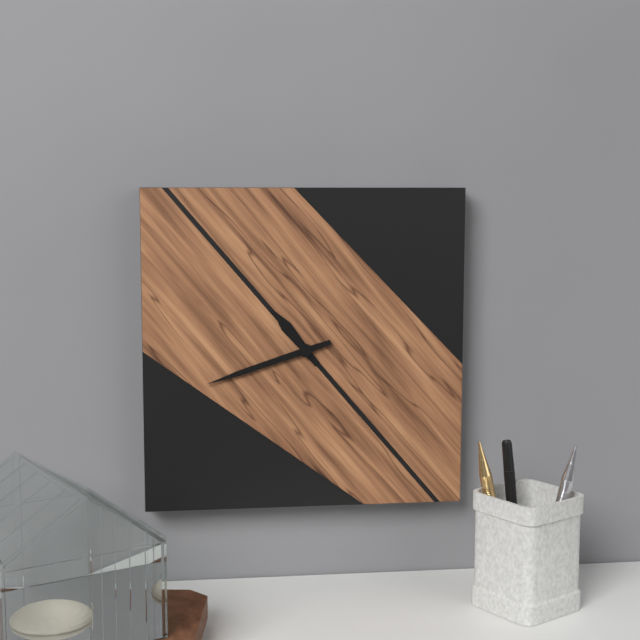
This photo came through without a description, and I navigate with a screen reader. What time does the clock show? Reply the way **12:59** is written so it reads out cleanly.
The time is **10:42**
